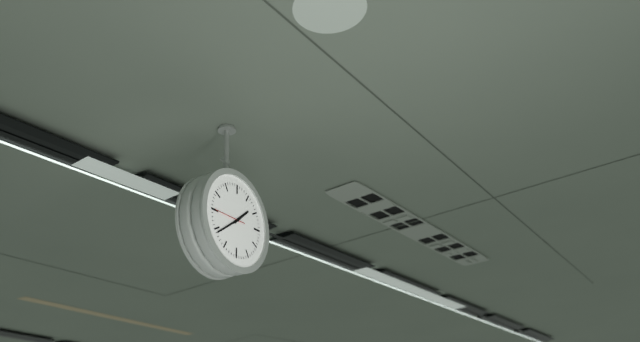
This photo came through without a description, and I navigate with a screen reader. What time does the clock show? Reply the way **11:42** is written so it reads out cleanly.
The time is **1:39**
